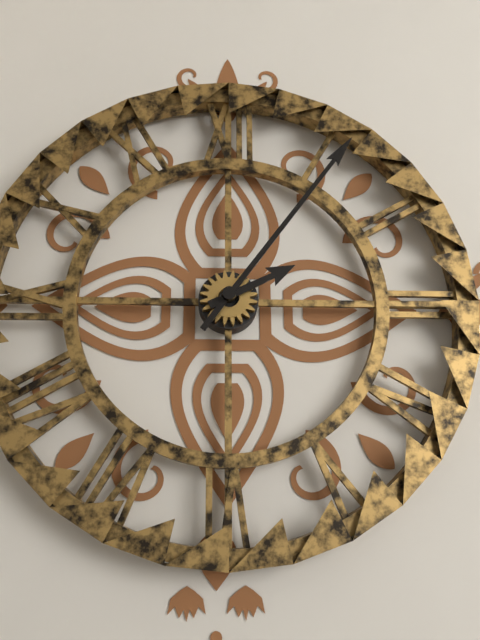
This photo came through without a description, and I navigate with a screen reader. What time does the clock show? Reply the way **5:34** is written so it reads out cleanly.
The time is **2:06**
